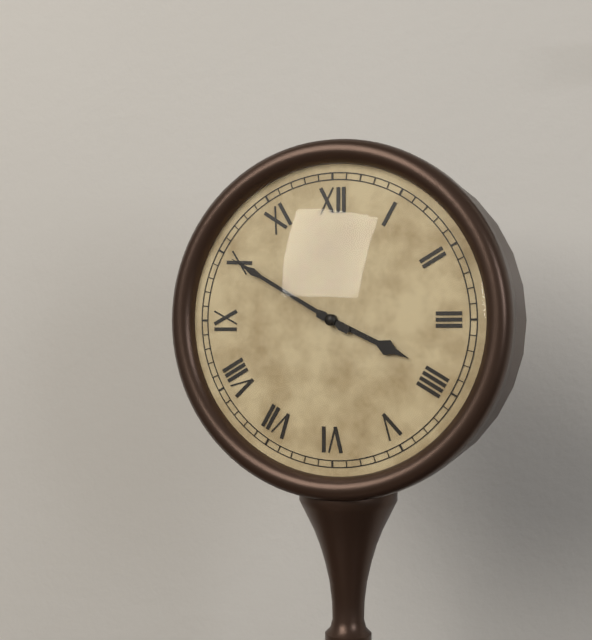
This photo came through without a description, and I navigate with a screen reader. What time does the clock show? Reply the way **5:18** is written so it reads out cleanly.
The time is **3:50**
